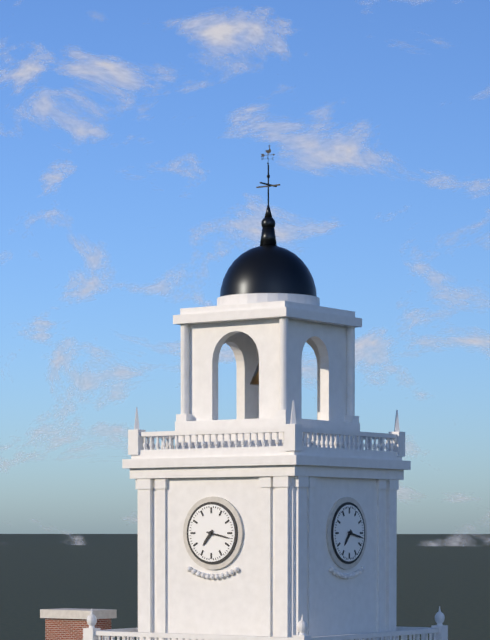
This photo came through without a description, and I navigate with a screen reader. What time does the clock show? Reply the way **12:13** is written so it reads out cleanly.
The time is **7:17**
